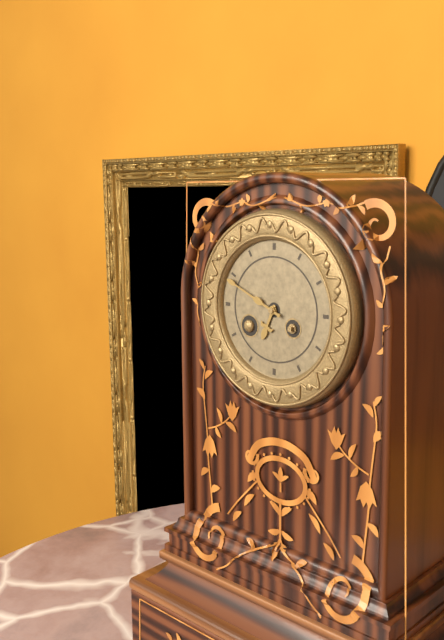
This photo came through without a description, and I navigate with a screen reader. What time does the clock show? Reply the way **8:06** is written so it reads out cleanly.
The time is **6:49**
